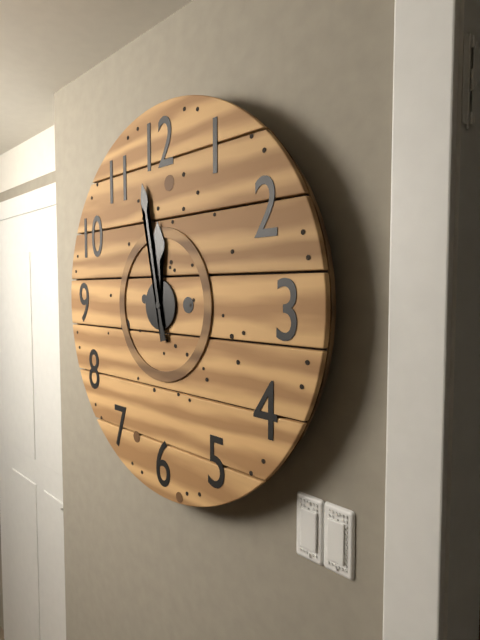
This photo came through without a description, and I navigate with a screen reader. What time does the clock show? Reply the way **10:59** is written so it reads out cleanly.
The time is **11:58**
